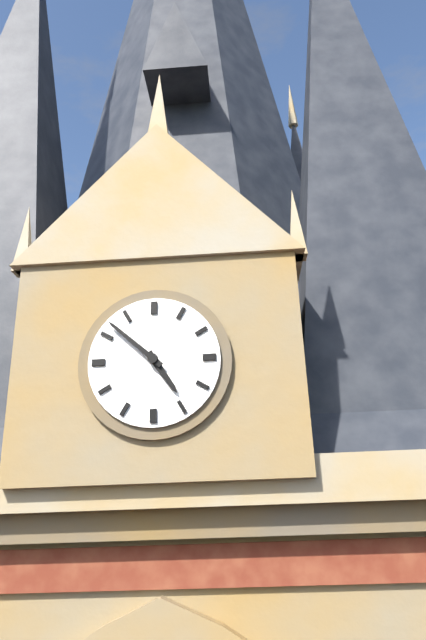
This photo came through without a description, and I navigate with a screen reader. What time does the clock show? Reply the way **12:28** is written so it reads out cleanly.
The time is **4:52**
